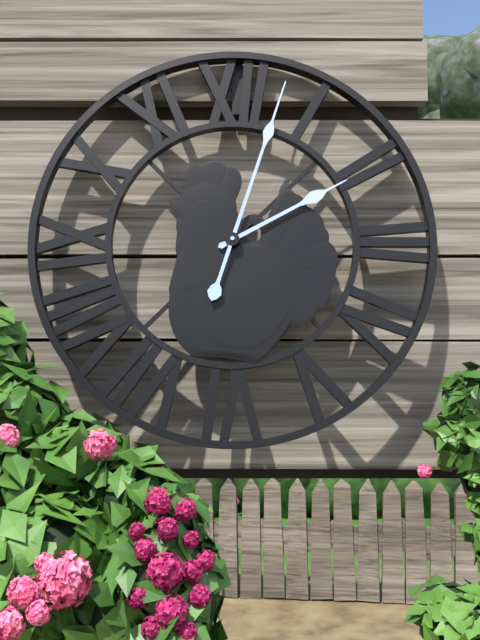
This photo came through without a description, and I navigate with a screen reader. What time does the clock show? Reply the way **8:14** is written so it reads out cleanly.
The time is **2:03**
